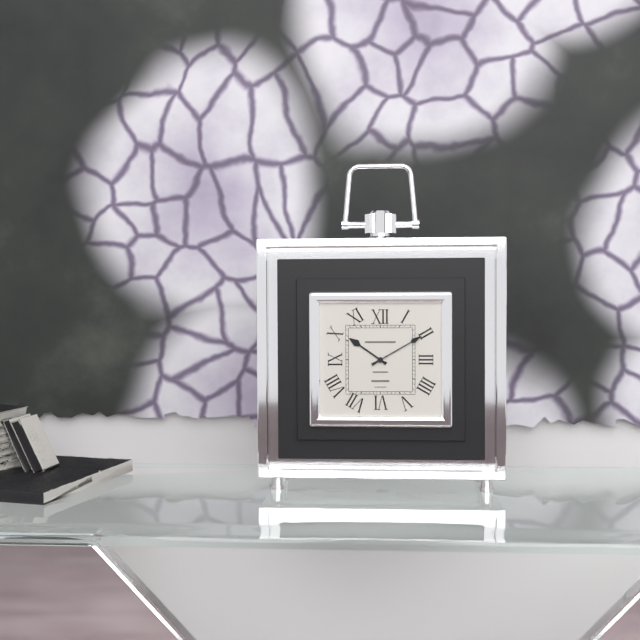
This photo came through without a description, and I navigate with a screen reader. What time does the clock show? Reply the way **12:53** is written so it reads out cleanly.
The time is **10:10**
